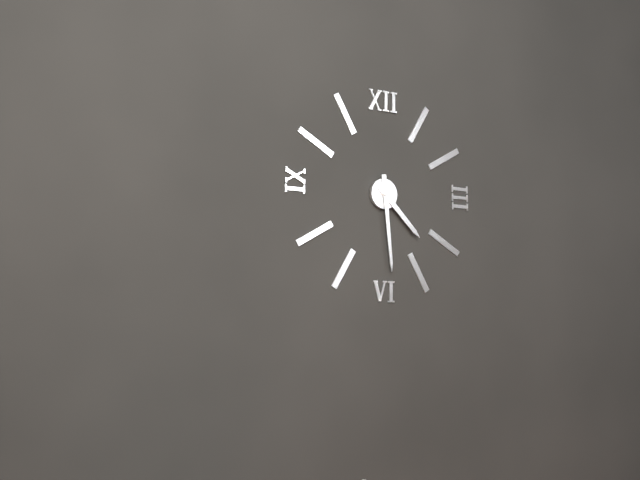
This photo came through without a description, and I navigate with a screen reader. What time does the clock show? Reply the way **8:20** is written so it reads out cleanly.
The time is **4:29**
